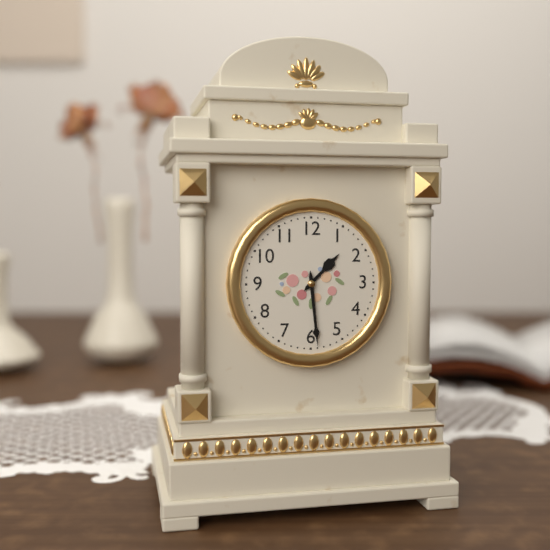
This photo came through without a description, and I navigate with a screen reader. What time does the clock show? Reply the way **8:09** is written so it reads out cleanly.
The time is **1:29**
